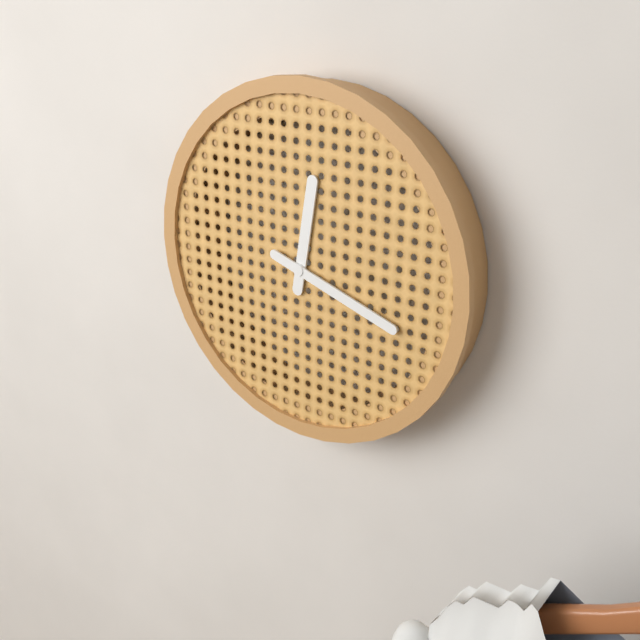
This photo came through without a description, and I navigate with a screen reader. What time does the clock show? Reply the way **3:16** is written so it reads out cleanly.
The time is **12:18**
